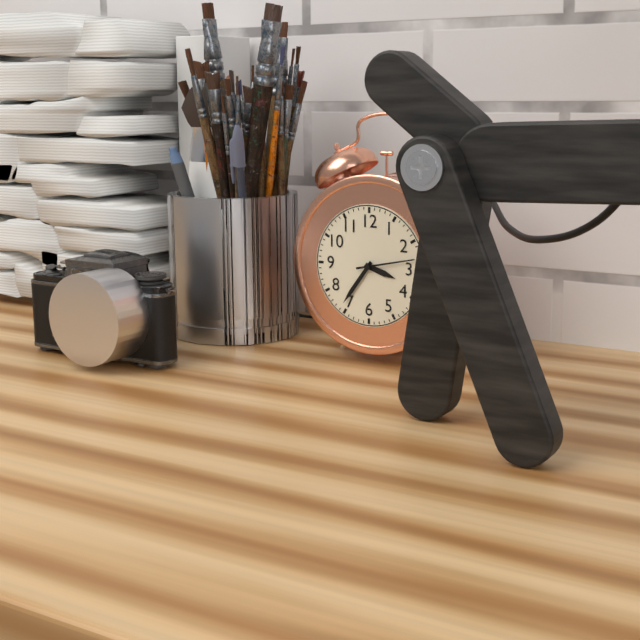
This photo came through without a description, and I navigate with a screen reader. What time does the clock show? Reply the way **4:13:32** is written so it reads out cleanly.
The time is **3:36:13**
